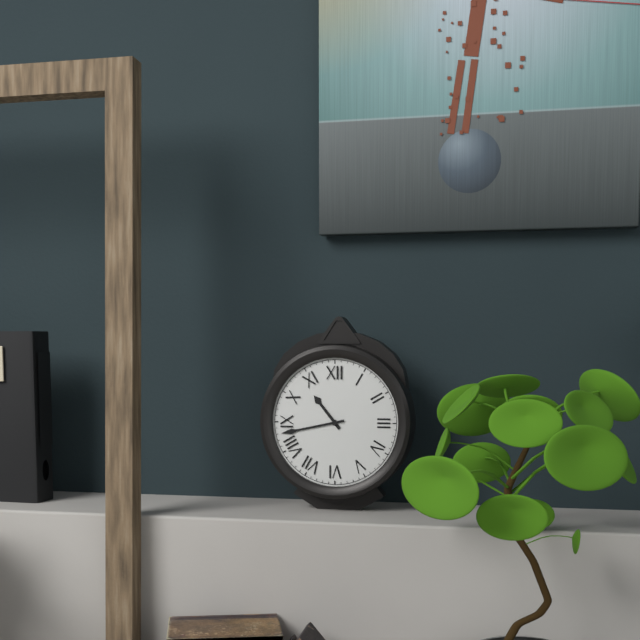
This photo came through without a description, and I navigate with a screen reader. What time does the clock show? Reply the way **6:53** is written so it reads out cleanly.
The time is **10:43**
